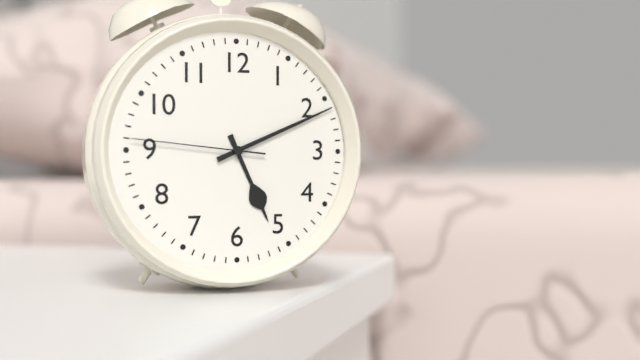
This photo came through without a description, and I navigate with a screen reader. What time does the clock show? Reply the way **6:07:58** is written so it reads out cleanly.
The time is **5:11:46**
